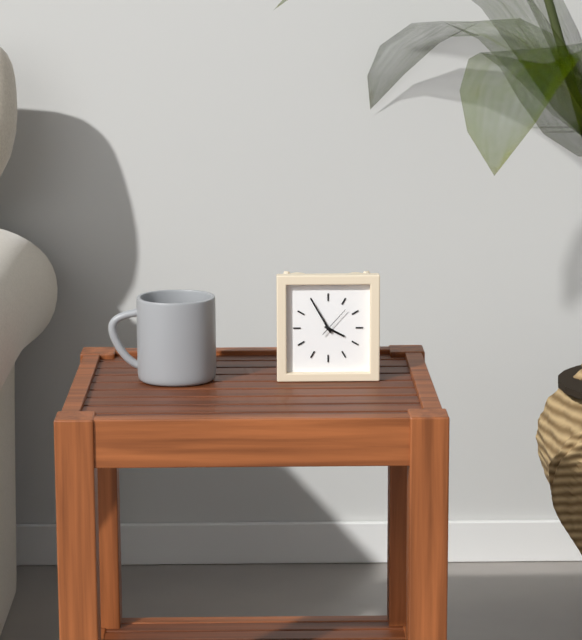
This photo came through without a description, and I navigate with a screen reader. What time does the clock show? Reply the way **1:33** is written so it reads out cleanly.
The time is **3:55**
